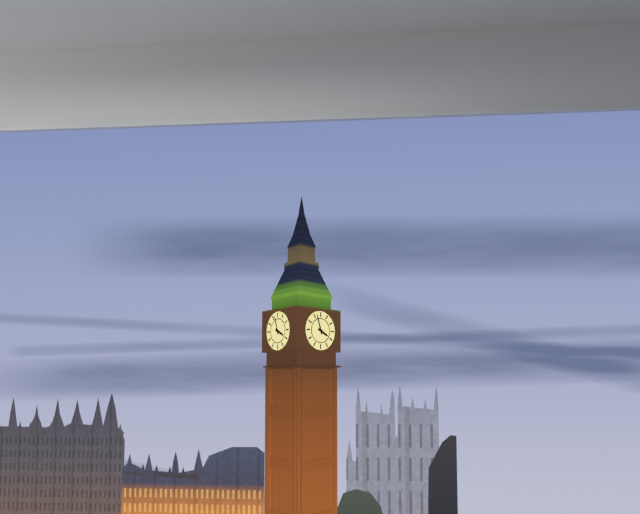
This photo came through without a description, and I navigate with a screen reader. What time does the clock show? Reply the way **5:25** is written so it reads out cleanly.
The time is **3:57**
